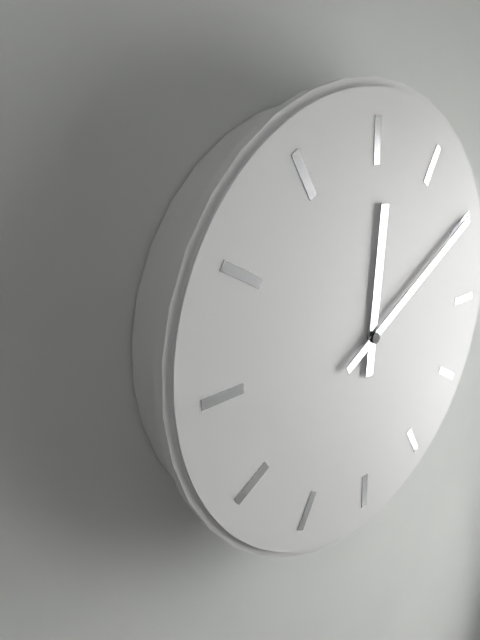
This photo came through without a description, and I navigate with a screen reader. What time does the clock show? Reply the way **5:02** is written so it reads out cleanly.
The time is **12:10**
